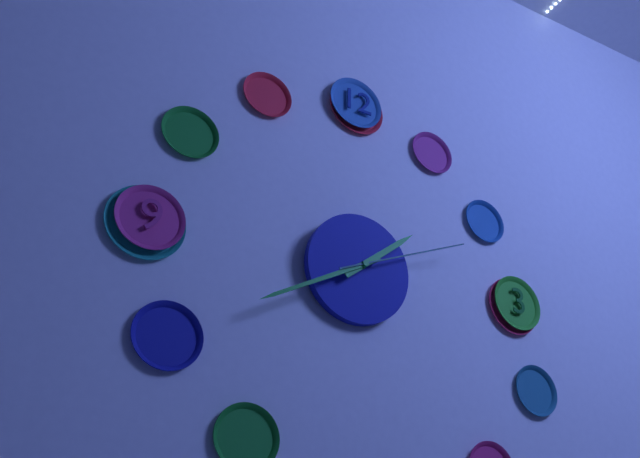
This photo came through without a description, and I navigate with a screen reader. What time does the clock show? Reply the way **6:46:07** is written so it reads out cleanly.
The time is **1:40:11**
